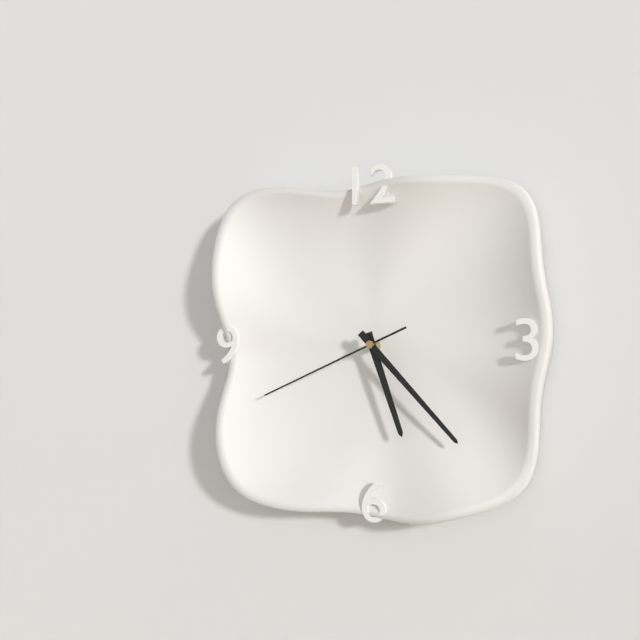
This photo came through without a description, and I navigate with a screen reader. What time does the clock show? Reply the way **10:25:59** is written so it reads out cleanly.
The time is **5:23:41**
